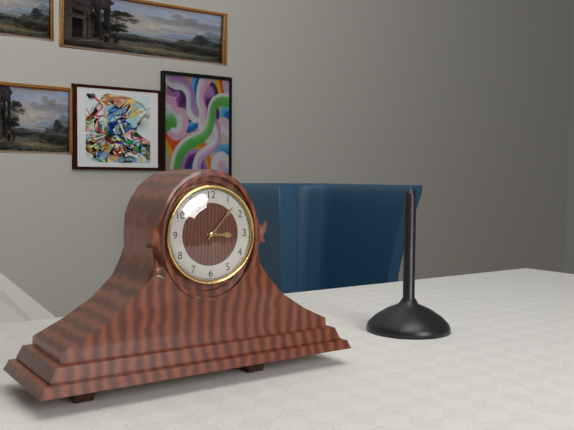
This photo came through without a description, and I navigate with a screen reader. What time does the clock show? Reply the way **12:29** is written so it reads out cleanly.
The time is **3:07**
